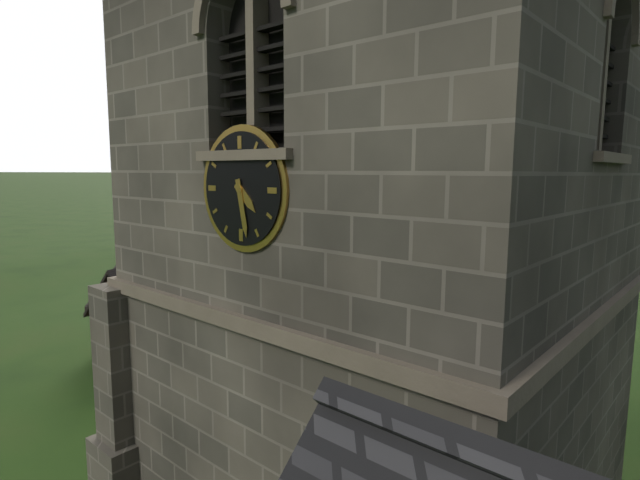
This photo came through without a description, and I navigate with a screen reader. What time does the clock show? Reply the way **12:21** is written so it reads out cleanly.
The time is **4:28**
